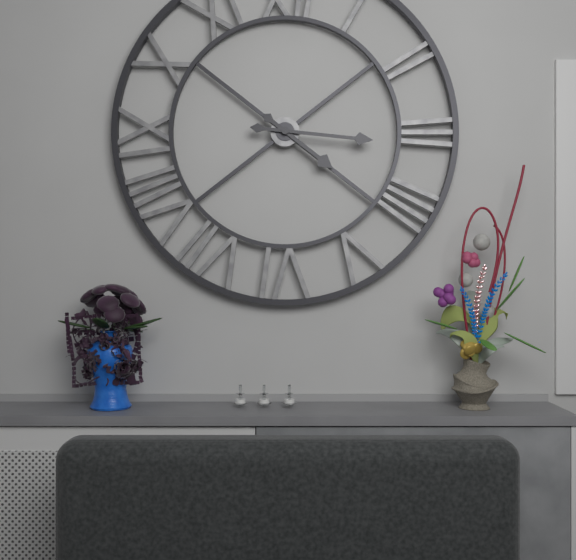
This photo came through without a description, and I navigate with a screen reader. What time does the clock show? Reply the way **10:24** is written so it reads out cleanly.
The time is **4:16**
